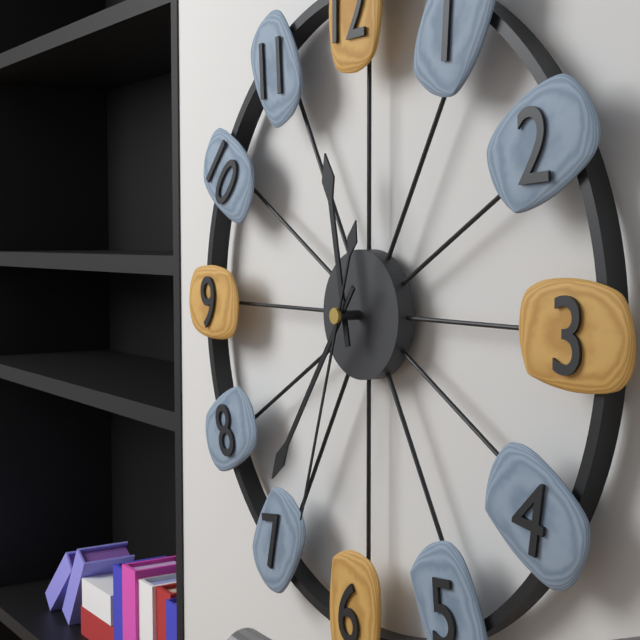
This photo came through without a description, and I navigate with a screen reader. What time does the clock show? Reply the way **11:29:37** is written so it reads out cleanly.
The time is **11:36:33**
